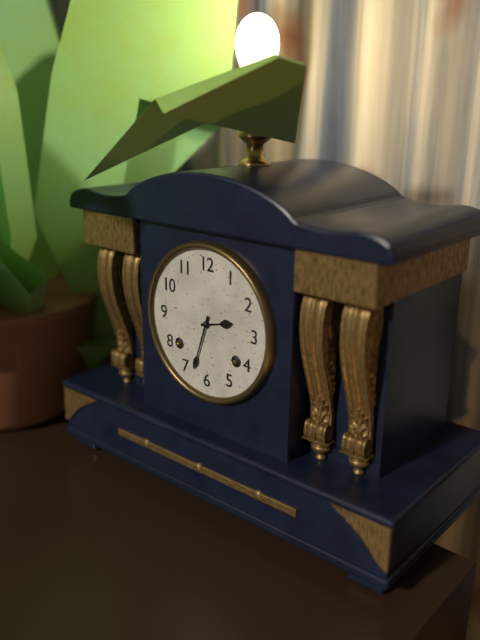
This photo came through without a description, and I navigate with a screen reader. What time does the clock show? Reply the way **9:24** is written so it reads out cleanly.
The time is **2:33**
